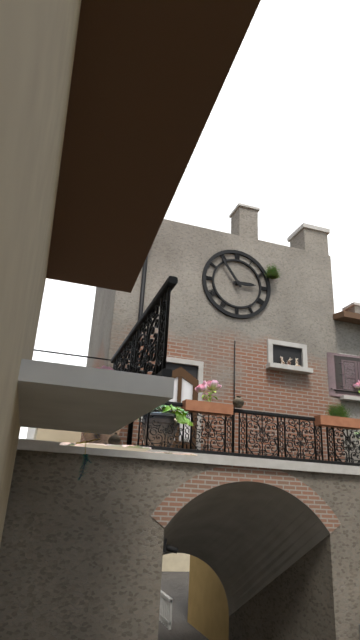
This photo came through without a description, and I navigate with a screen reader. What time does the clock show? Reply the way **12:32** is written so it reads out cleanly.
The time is **2:54**
